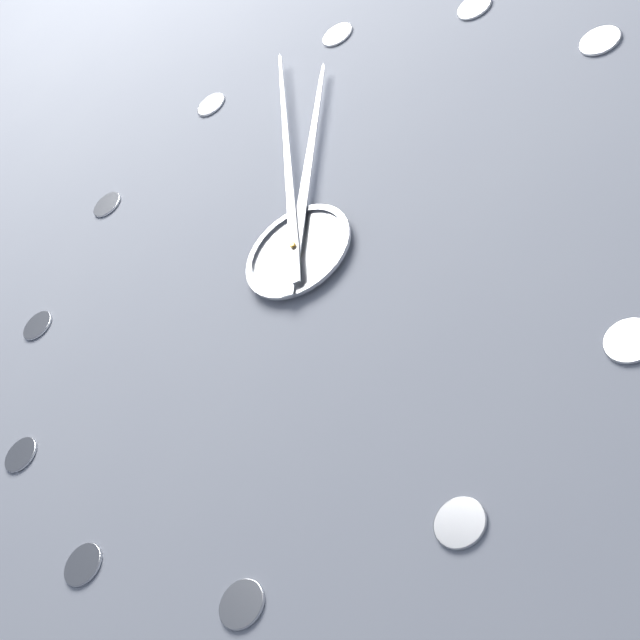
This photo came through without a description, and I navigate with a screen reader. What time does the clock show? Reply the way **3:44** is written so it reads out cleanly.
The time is **11:58**
